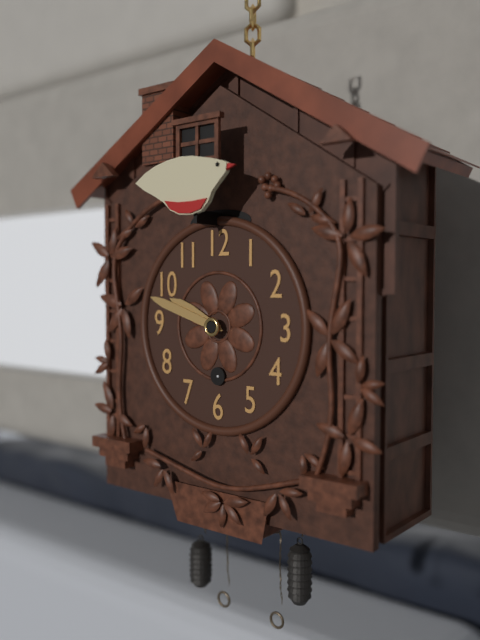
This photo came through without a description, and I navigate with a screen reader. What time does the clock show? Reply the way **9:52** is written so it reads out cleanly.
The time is **9:48**
